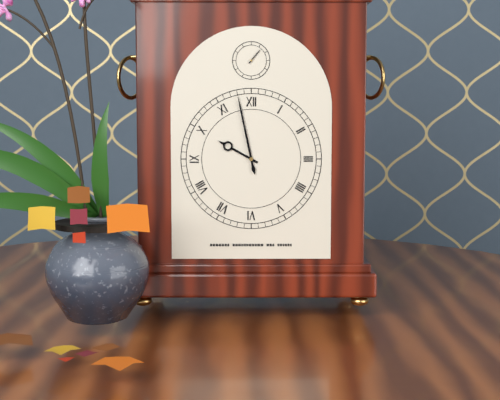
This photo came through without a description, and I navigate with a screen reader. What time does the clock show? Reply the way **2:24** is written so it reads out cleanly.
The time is **9:58**
